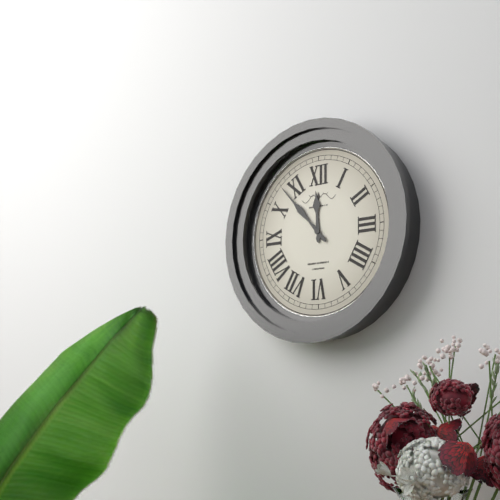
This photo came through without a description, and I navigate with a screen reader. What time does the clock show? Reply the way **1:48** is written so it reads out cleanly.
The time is **11:53**
